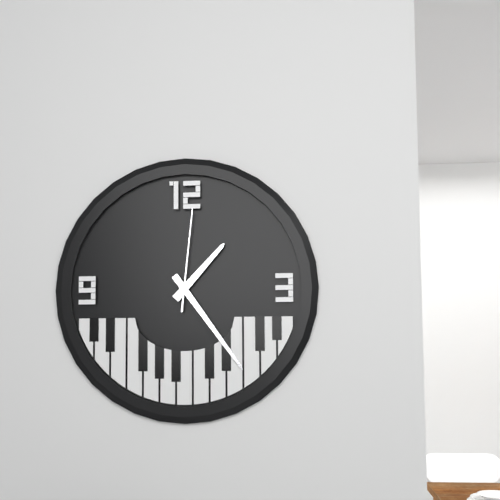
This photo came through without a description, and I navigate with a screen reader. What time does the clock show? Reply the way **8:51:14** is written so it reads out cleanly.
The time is **1:24:01**
